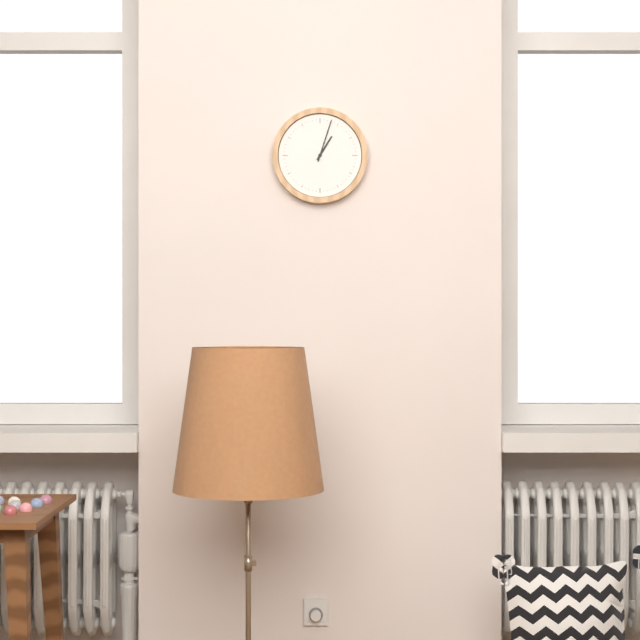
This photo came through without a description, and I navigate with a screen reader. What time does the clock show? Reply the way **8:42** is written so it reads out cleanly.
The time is **1:03**
